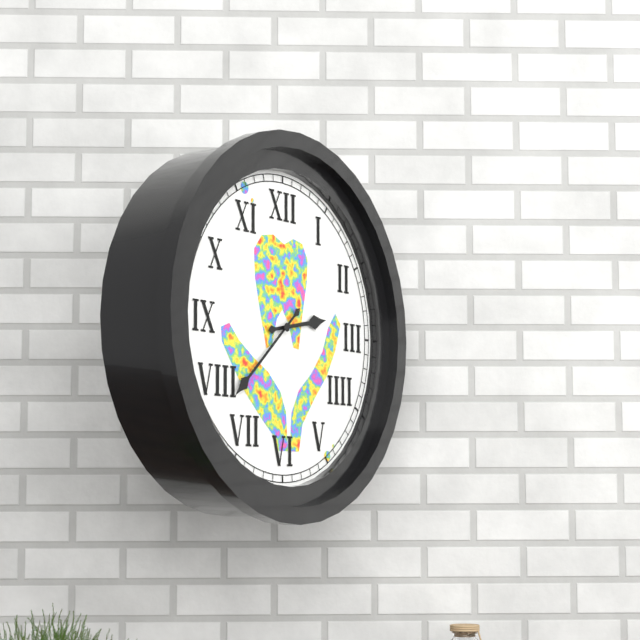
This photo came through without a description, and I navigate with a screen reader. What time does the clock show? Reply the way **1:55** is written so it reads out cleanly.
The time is **2:38**
